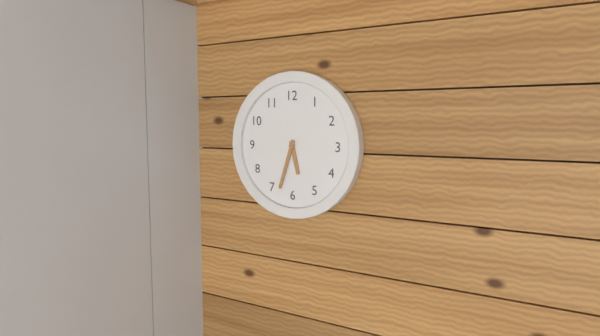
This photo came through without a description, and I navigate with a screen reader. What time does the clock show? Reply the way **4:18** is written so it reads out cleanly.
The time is **5:33**
